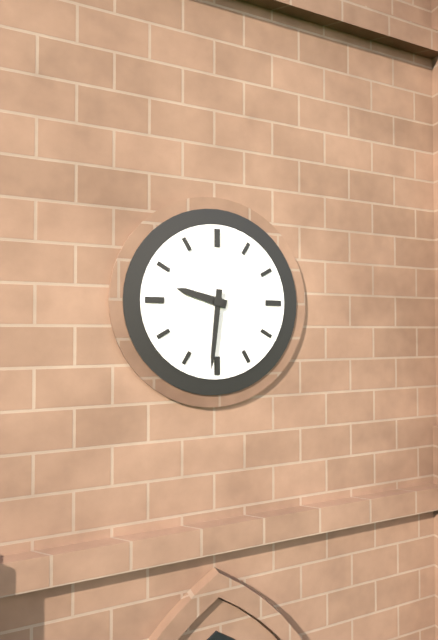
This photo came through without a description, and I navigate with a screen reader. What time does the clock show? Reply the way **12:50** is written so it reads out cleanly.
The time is **9:31**
